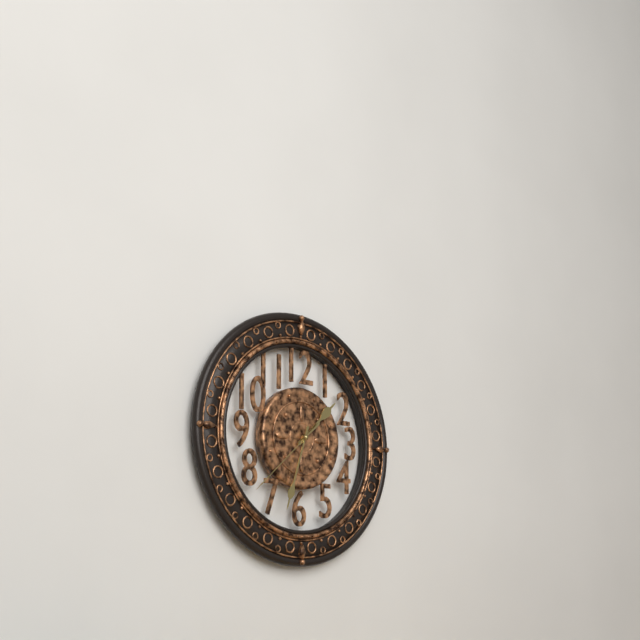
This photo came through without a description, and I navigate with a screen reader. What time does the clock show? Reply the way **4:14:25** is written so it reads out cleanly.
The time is **1:33:38**
